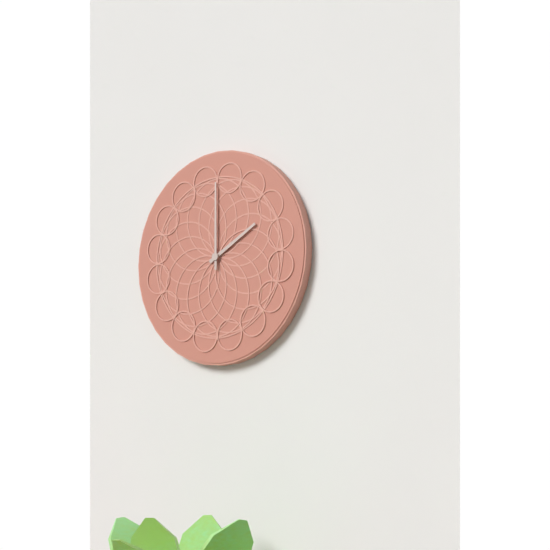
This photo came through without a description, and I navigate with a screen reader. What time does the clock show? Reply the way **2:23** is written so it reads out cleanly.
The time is **2:00**
